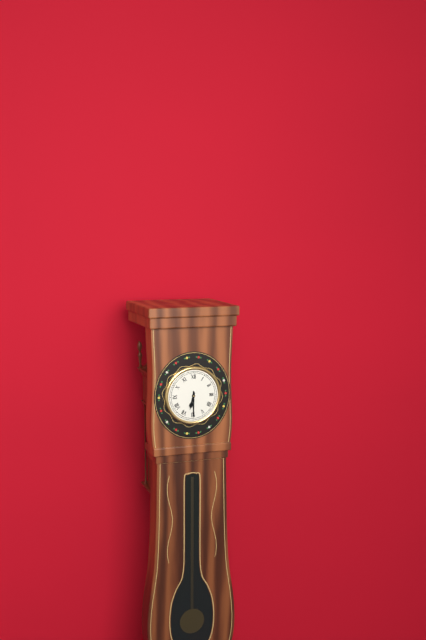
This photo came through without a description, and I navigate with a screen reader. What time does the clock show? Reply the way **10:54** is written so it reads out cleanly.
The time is **6:30**
